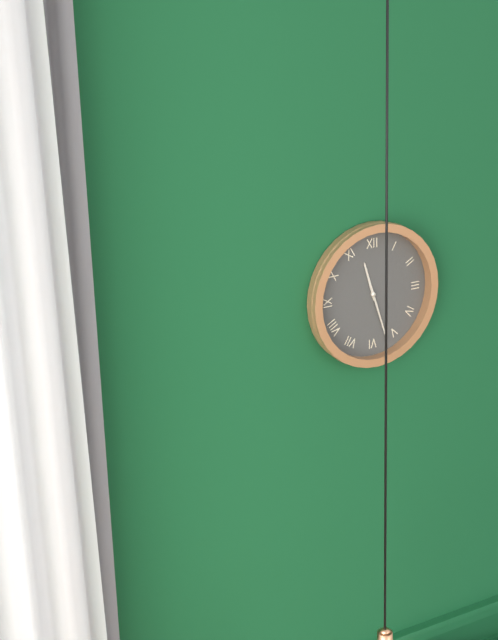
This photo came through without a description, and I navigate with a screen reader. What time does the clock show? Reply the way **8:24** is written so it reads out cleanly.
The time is **11:27**
